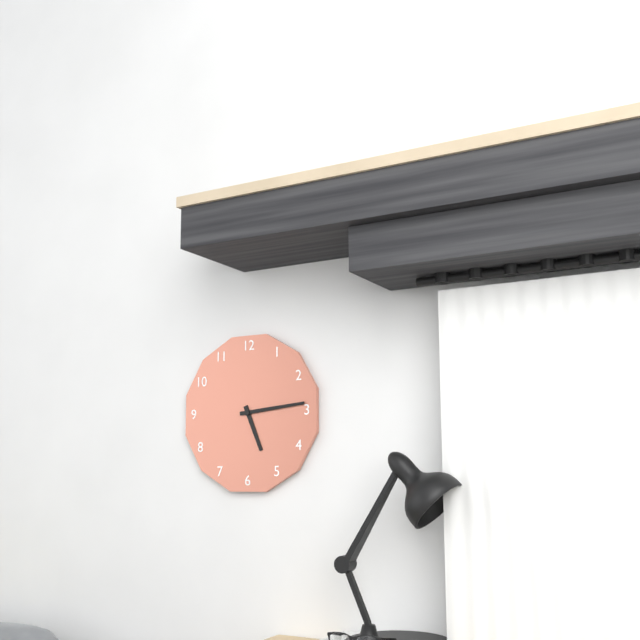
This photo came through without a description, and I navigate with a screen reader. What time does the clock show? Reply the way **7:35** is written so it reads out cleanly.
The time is **5:14**
